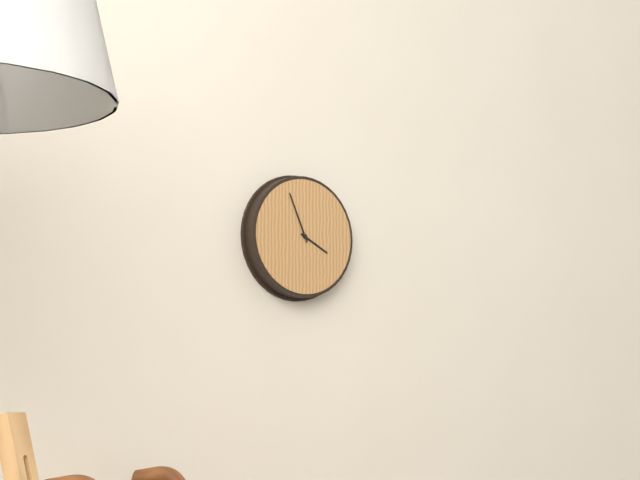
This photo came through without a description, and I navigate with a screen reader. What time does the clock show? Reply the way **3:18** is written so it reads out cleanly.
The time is **3:56**
